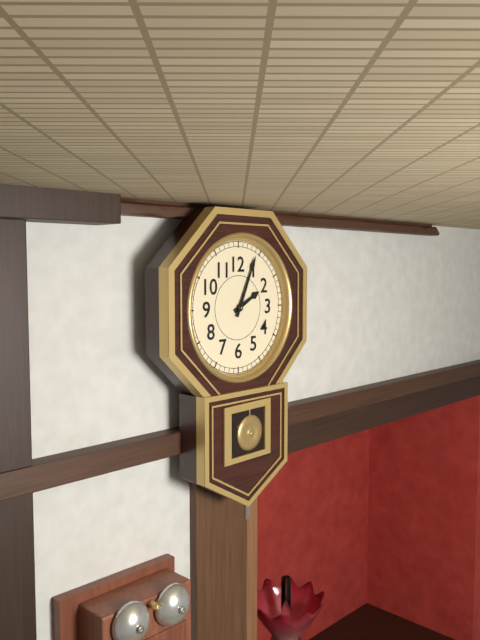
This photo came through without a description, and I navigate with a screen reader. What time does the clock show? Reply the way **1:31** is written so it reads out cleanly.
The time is **2:04**
